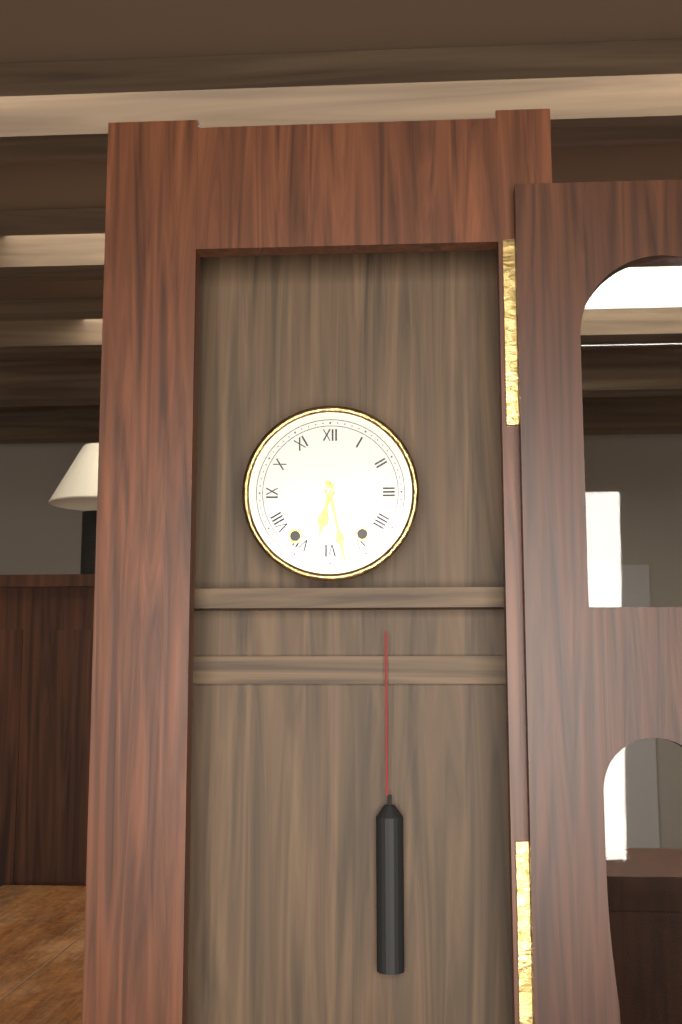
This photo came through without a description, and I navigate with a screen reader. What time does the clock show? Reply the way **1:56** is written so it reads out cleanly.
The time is **6:28**
